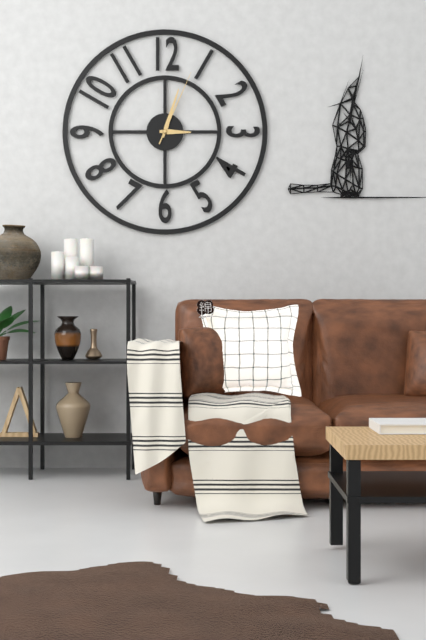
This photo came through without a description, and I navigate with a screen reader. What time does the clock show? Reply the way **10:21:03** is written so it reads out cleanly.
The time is **3:03:04**
